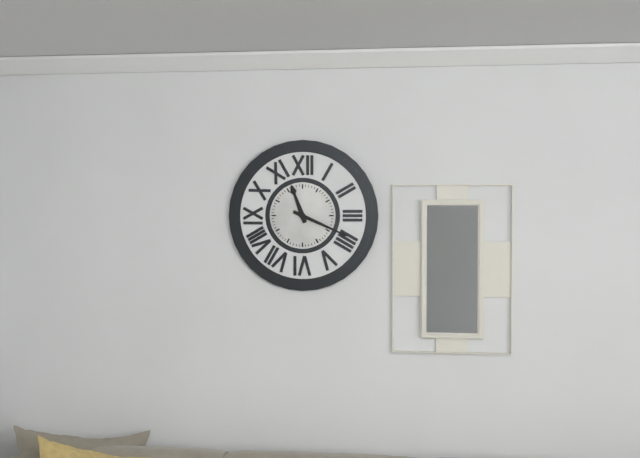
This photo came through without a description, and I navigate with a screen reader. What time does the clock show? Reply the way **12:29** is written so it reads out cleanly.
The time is **11:19**
